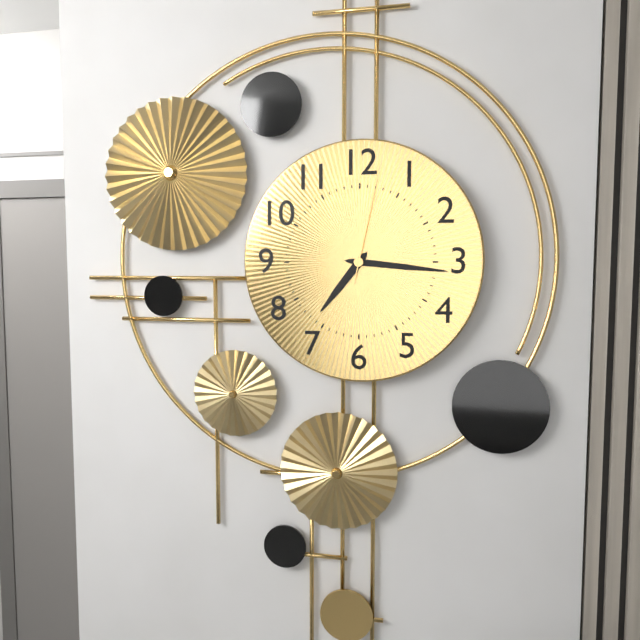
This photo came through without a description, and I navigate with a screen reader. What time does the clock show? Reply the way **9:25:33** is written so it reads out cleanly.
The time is **7:16:02**
